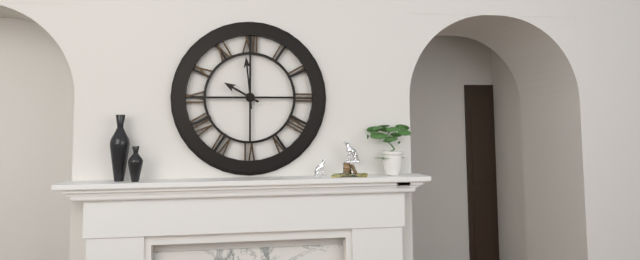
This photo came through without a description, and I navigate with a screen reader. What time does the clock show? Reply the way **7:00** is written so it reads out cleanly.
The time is **9:59**
